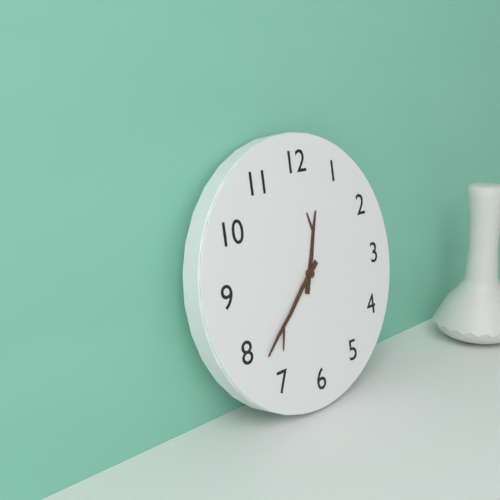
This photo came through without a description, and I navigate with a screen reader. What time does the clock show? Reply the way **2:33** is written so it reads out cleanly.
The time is **12:38**
